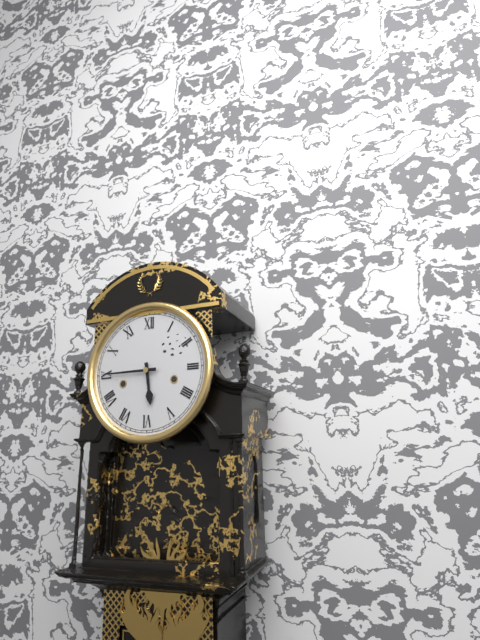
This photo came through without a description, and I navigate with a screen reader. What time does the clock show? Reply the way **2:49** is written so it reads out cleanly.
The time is **5:45**
